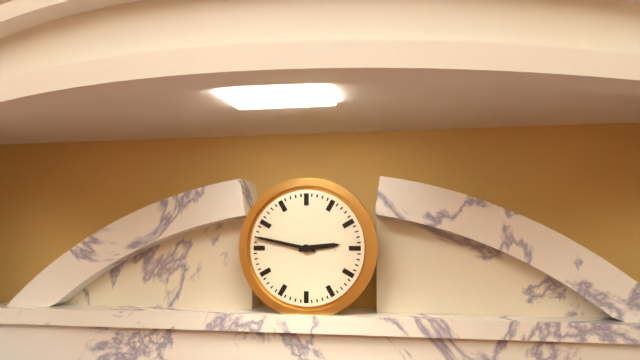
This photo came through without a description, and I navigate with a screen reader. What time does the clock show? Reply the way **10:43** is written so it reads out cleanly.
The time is **2:47**
